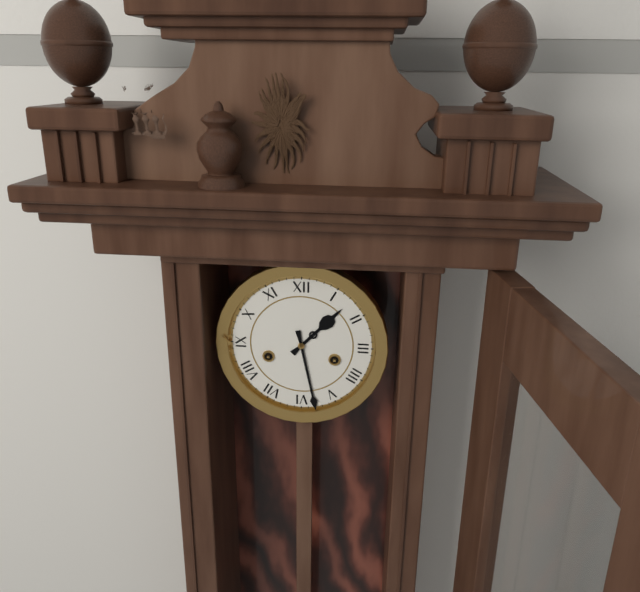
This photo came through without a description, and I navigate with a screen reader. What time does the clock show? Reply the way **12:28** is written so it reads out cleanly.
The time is **1:28**
